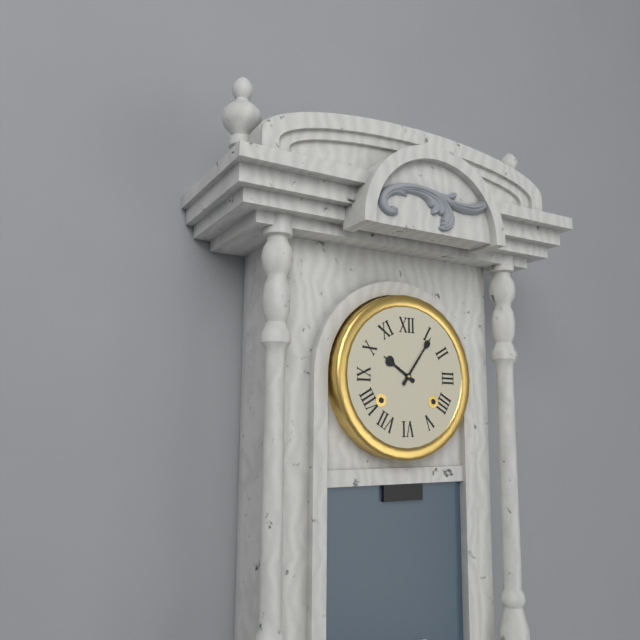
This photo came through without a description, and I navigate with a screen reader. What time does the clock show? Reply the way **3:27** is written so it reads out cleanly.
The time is **10:06**
